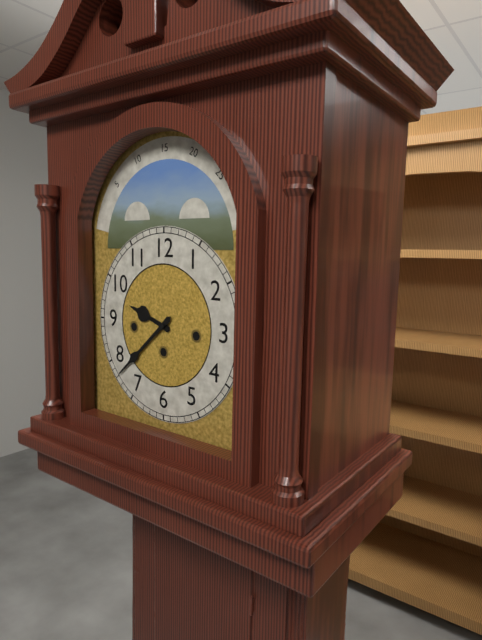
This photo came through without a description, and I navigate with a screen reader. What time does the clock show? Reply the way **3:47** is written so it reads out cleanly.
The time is **9:38**
